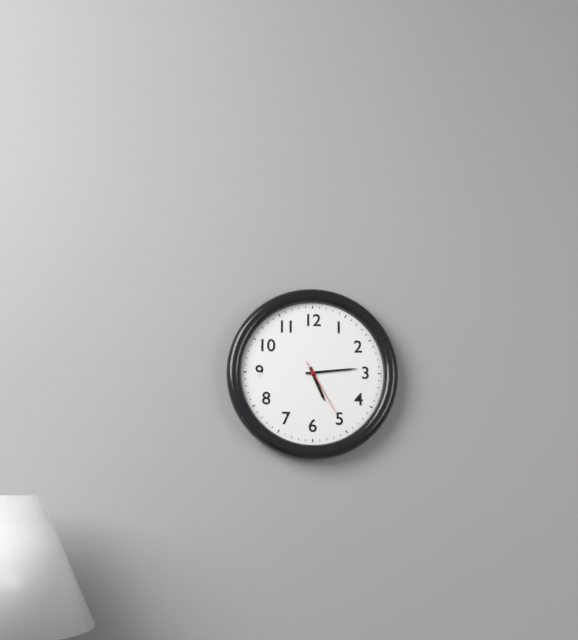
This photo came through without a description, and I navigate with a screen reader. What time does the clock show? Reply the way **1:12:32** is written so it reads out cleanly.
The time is **5:14:25**
